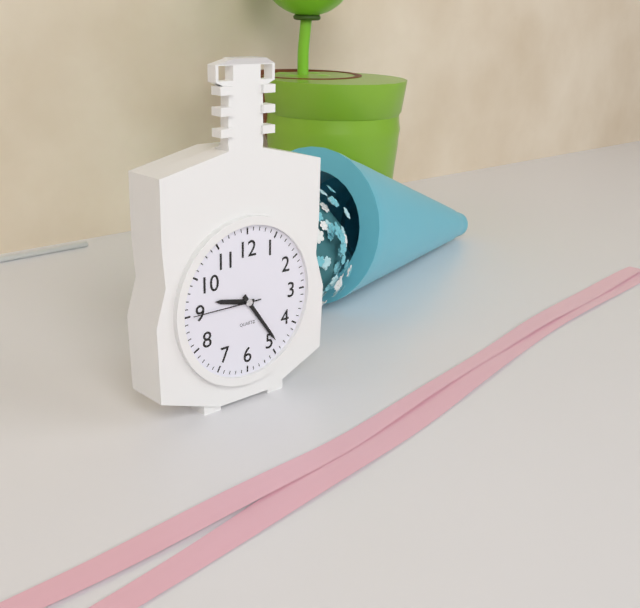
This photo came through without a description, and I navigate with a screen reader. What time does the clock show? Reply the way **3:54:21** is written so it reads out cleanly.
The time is **9:24:45**
